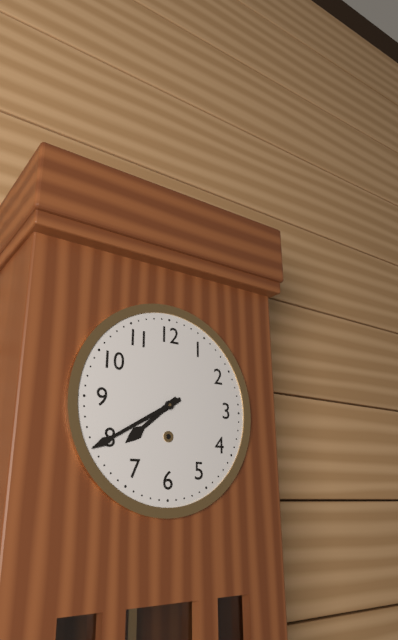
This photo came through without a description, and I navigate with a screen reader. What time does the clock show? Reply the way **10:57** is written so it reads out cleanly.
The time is **7:40**
